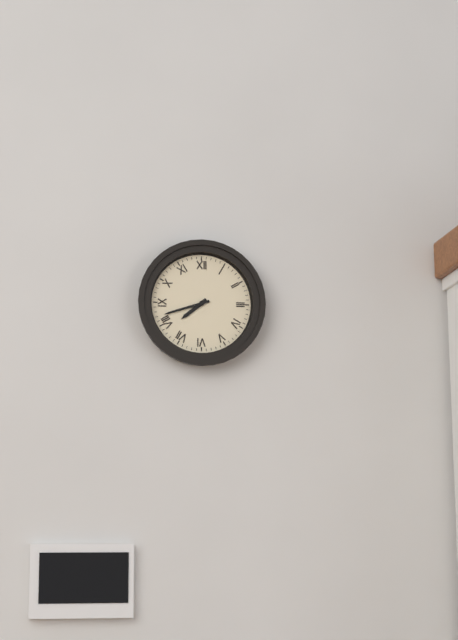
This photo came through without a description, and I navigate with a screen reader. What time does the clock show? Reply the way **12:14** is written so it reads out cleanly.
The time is **7:42**
